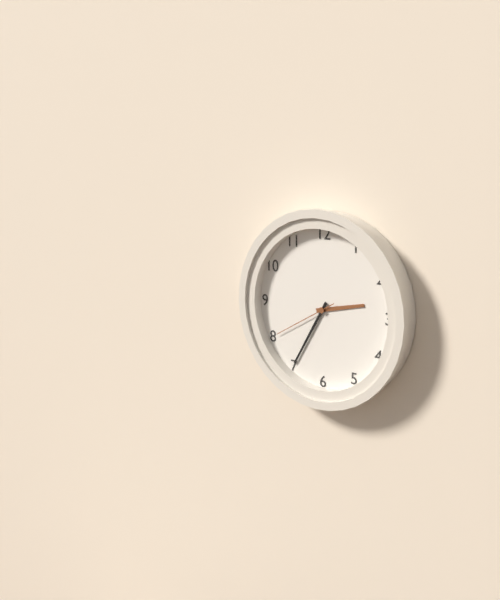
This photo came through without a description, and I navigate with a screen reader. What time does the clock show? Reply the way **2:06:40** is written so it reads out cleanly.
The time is **2:35:40**
